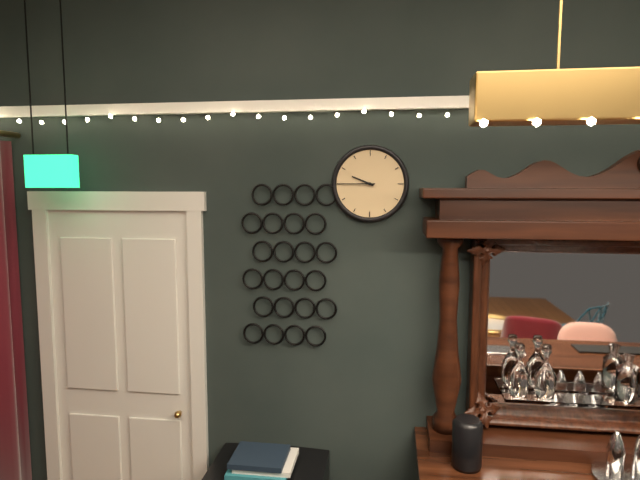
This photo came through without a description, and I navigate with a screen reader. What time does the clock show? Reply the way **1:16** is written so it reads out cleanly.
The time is **9:45**
